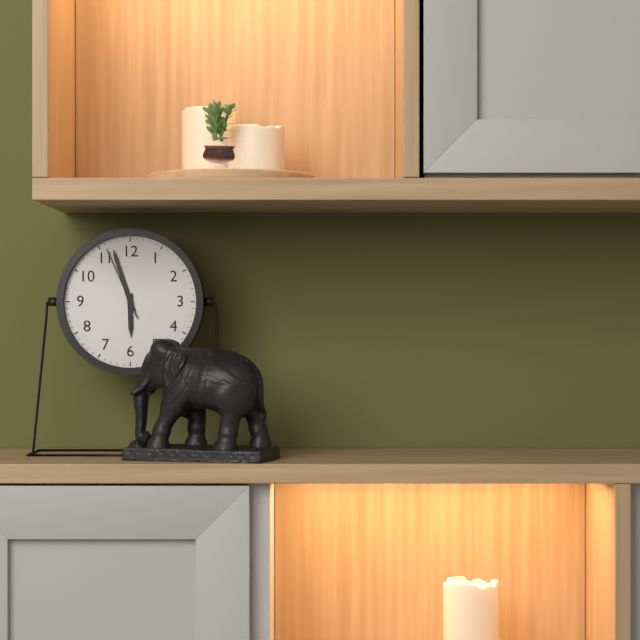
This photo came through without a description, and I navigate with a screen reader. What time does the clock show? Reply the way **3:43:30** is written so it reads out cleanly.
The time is **5:57:56**
